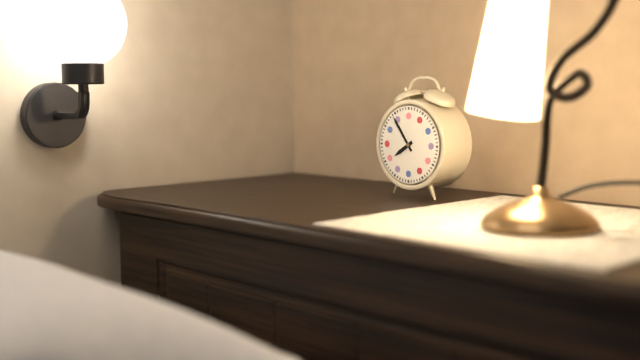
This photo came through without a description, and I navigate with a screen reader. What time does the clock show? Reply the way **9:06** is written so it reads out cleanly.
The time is **7:54**
